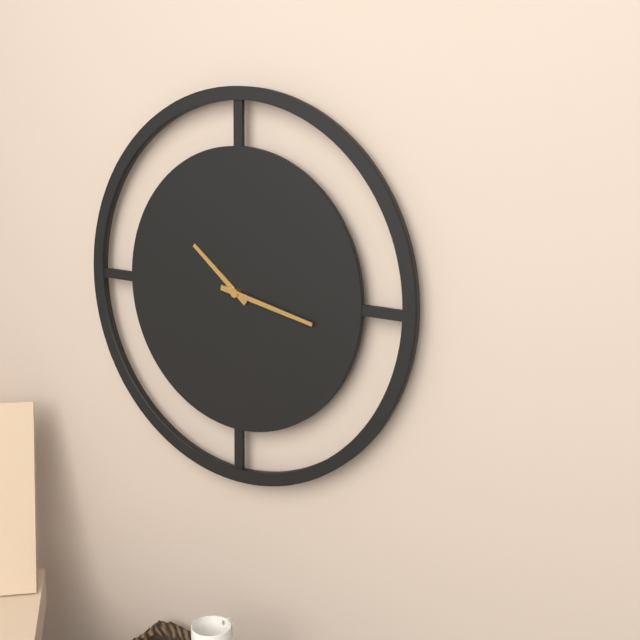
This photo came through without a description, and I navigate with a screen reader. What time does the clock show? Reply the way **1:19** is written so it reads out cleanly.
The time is **10:17**
